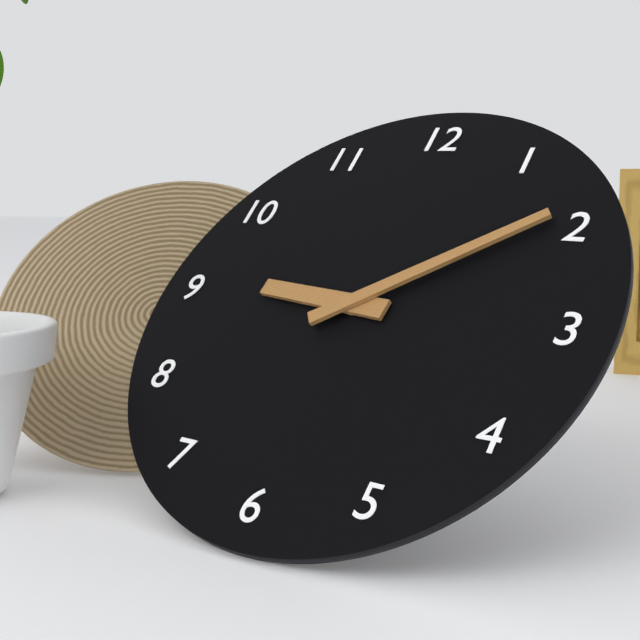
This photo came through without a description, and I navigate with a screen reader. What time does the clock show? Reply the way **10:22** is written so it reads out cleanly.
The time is **9:09**
